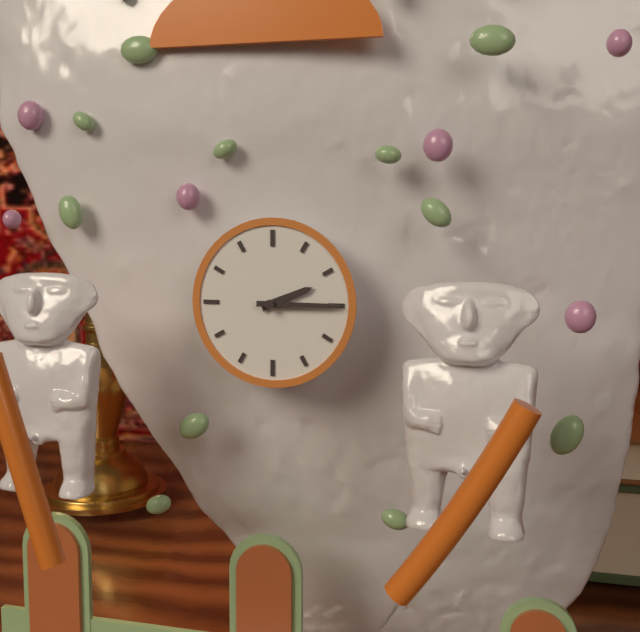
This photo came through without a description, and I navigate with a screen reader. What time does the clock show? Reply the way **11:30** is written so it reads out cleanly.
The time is **2:15**
